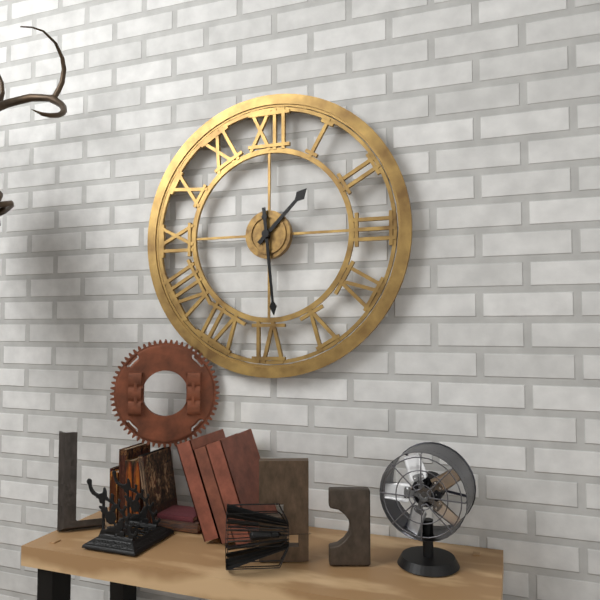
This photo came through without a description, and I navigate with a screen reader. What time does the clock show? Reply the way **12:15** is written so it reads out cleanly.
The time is **1:29**
